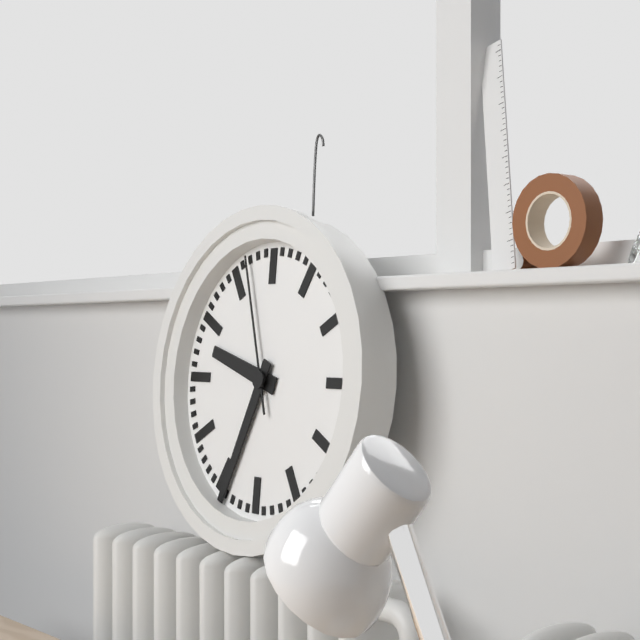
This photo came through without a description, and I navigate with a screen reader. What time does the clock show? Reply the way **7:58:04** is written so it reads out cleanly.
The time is **9:34:57**
